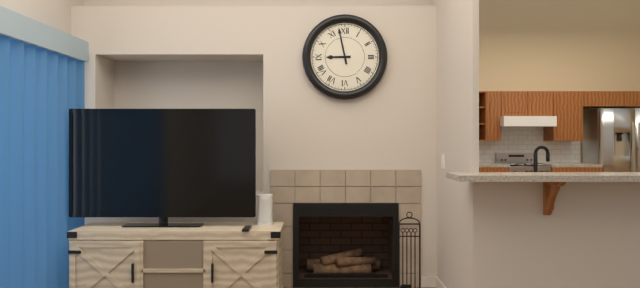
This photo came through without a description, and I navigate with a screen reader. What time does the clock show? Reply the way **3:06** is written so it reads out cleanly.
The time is **8:58**
